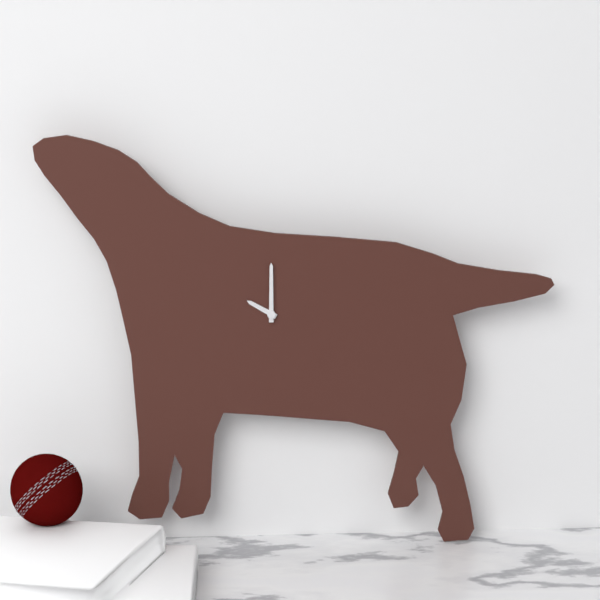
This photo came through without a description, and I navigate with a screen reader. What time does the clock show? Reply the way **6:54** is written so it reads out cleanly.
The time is **10:00**
